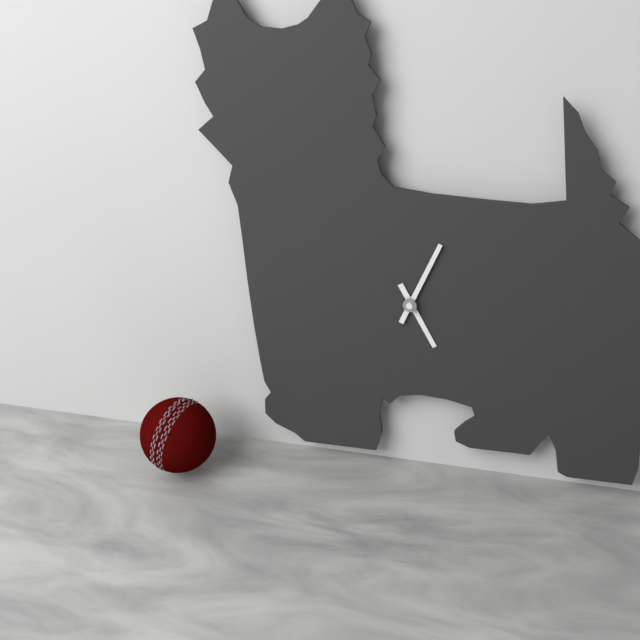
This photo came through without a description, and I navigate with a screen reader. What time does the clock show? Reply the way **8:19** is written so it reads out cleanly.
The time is **5:04**
